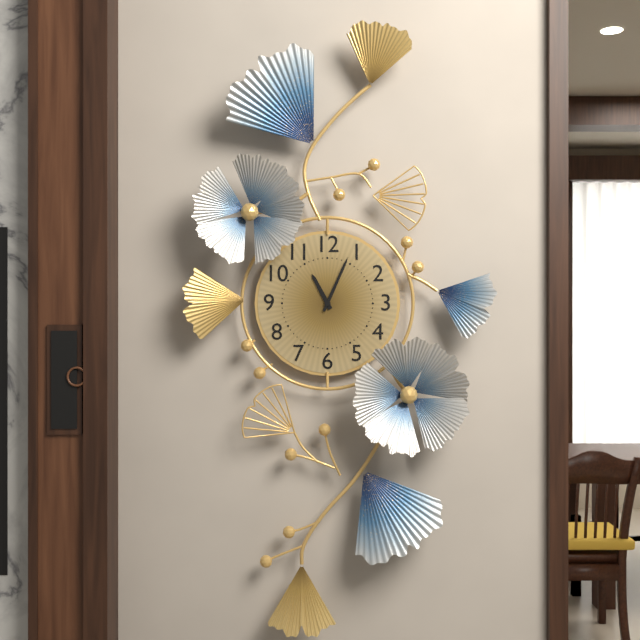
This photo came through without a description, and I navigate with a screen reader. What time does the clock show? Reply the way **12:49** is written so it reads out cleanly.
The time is **11:04**
